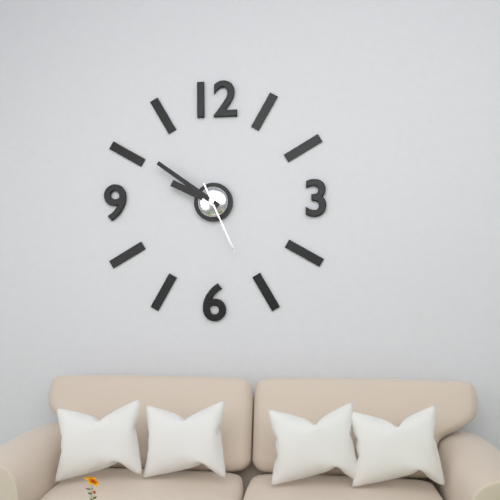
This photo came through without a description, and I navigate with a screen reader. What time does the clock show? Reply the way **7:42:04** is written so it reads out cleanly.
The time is **9:51:26**
